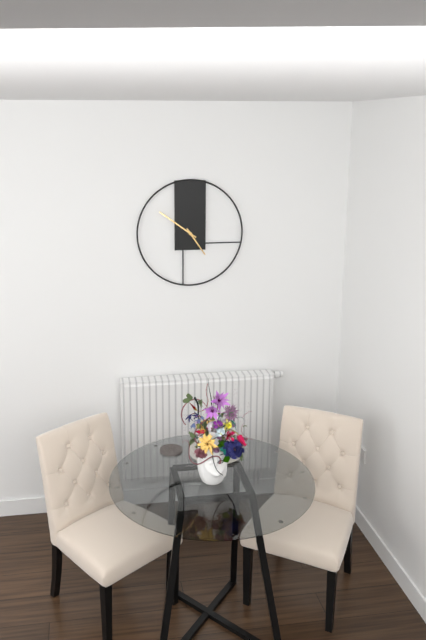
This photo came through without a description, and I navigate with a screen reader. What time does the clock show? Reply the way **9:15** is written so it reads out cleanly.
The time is **4:51**
